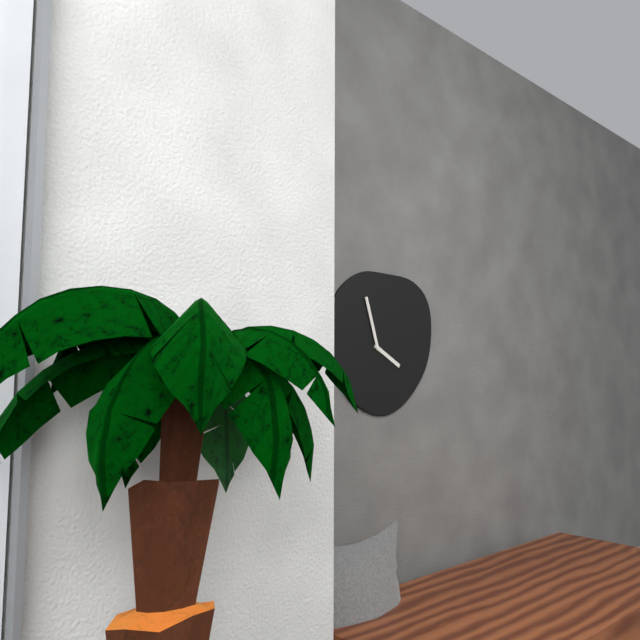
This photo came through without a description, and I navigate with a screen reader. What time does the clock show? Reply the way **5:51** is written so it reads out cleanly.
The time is **3:57**
